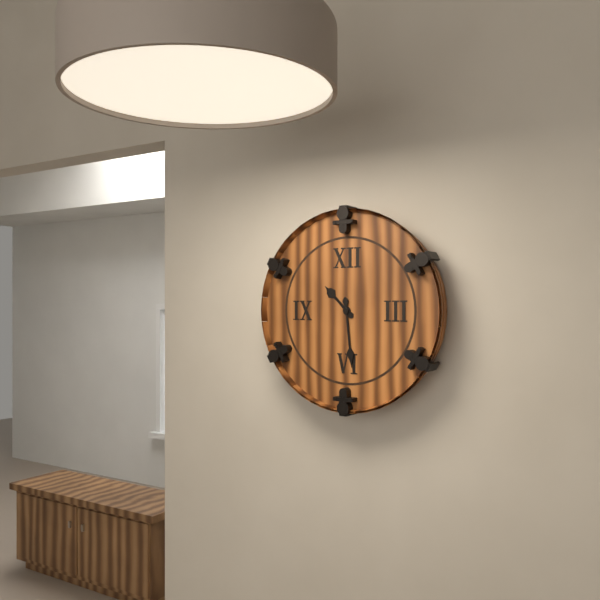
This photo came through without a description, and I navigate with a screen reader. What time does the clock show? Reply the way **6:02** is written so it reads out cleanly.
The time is **10:29**
